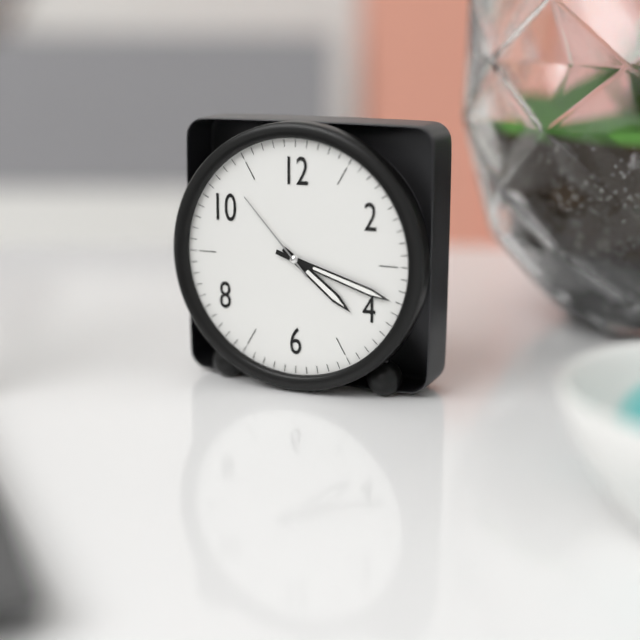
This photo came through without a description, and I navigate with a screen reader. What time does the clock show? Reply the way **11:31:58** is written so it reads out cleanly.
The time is **4:18:53**
